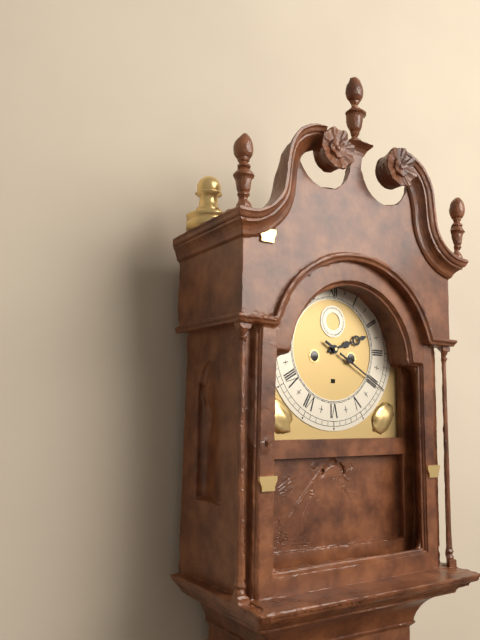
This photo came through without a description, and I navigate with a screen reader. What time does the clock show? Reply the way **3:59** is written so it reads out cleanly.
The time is **2:20**
